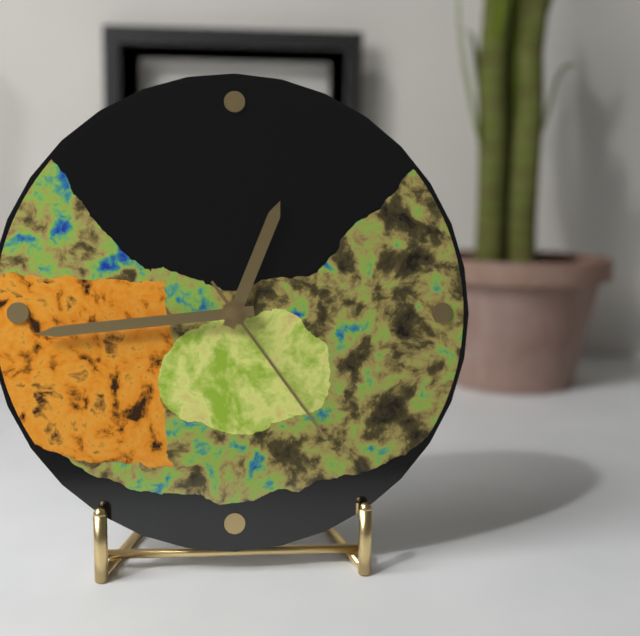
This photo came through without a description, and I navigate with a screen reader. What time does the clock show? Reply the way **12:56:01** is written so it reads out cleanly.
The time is **12:44:24**
